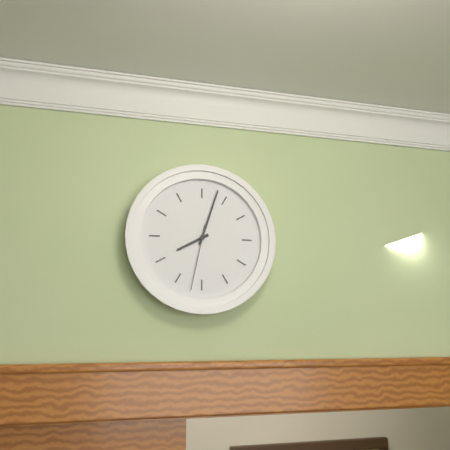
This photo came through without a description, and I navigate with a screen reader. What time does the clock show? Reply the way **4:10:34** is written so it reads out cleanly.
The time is **8:03:32**
